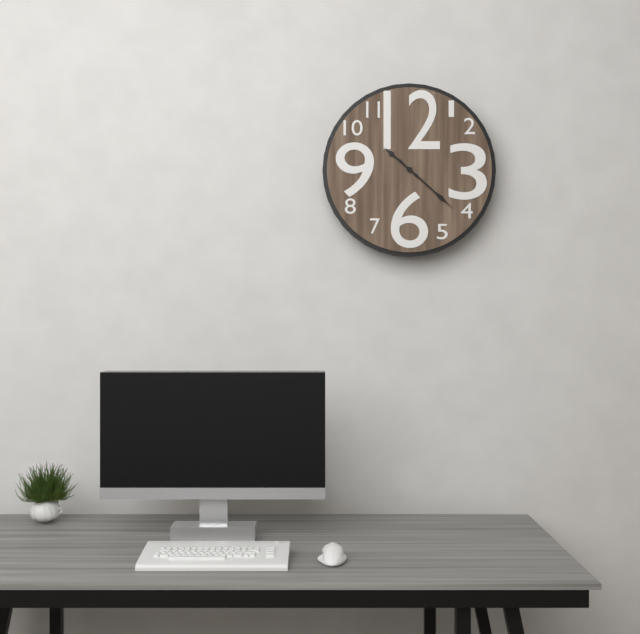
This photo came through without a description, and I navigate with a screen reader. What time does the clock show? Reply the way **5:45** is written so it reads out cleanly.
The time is **10:22**
